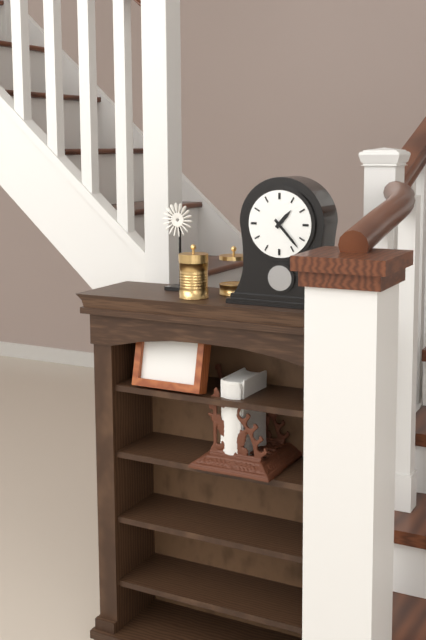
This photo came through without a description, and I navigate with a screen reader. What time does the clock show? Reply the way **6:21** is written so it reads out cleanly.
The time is **1:23**
